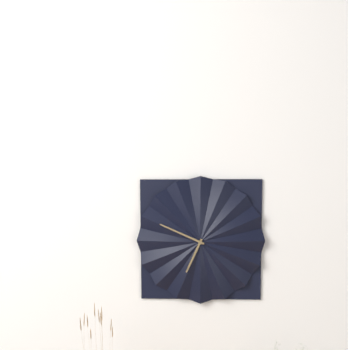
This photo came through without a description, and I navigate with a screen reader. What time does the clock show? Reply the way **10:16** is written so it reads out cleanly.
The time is **6:49**
